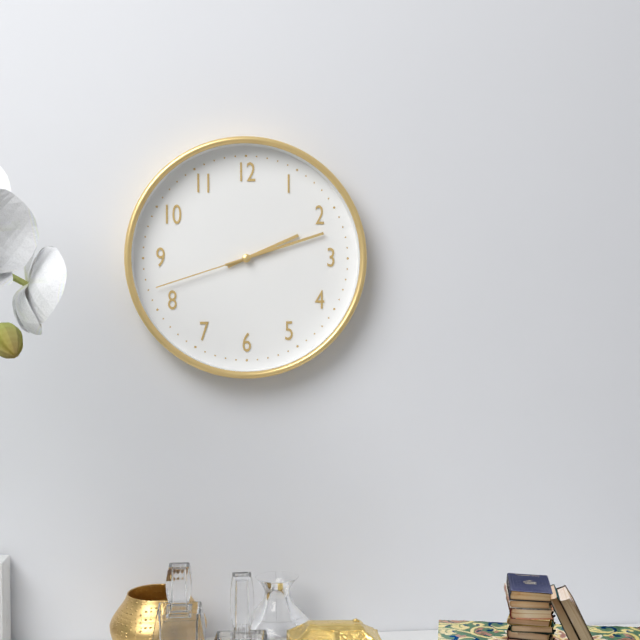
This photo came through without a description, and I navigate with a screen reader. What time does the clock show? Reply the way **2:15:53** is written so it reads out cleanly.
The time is **2:12:42**
